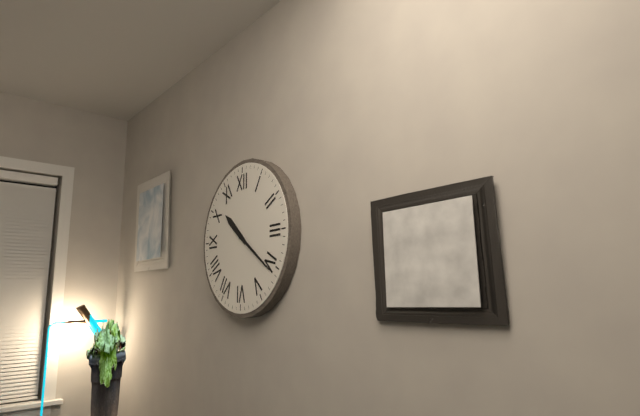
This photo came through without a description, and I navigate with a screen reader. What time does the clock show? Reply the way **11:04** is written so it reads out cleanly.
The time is **10:21**
